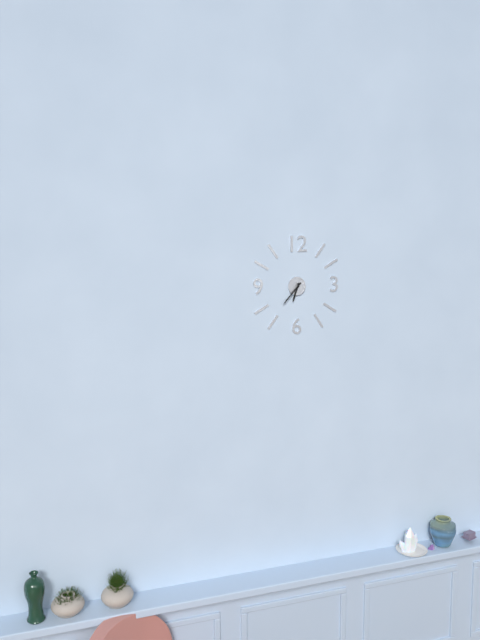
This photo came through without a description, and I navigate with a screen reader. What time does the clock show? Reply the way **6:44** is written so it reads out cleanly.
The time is **6:37**
